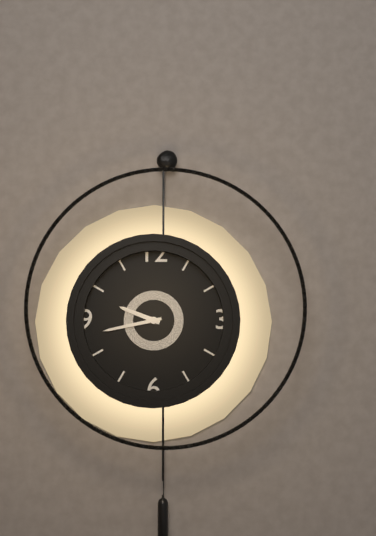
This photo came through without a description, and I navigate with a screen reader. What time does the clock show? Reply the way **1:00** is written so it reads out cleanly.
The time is **9:43**
